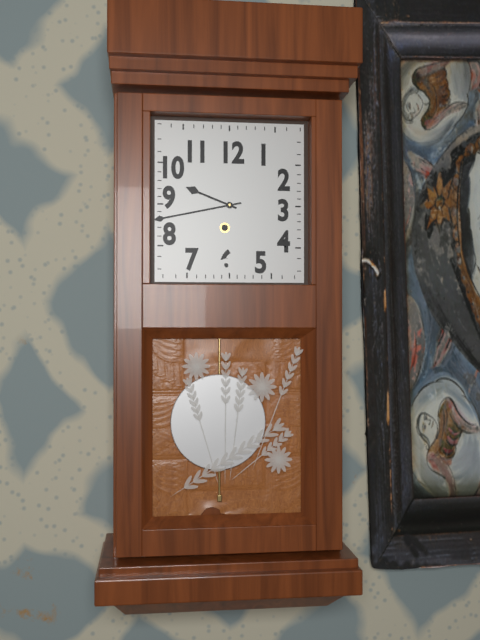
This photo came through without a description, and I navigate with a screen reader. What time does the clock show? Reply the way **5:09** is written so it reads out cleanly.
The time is **9:43**
